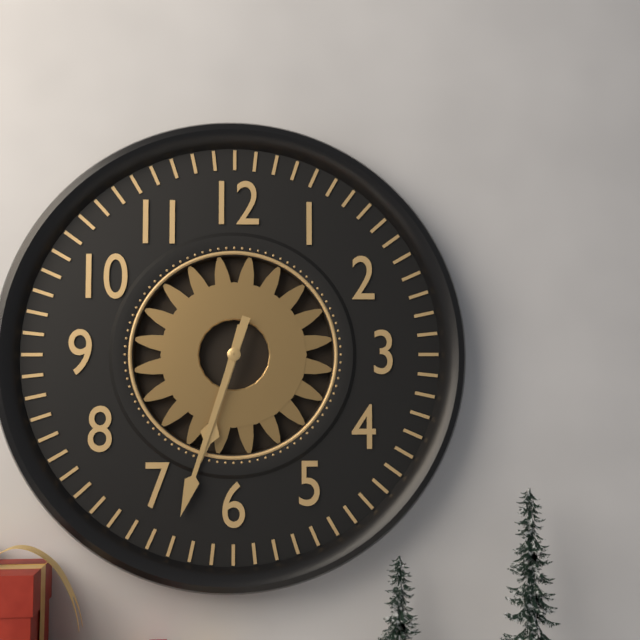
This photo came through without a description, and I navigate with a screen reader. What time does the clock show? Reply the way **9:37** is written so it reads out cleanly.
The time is **6:33**
